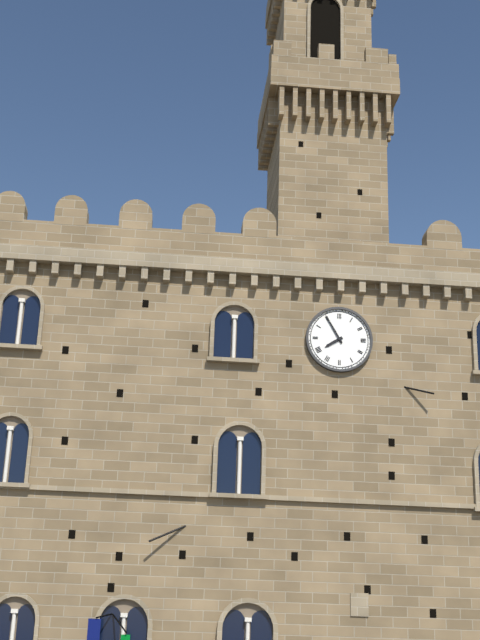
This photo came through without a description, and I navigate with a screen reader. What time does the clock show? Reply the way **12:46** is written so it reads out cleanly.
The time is **7:55**
